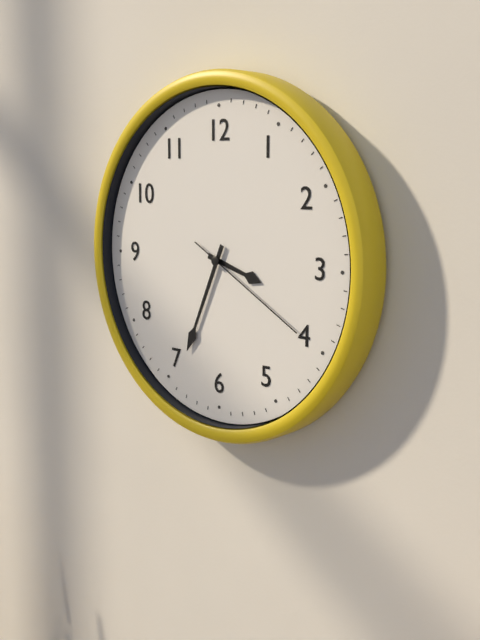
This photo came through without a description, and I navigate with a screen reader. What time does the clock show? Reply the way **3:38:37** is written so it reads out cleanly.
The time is **3:34:20**
